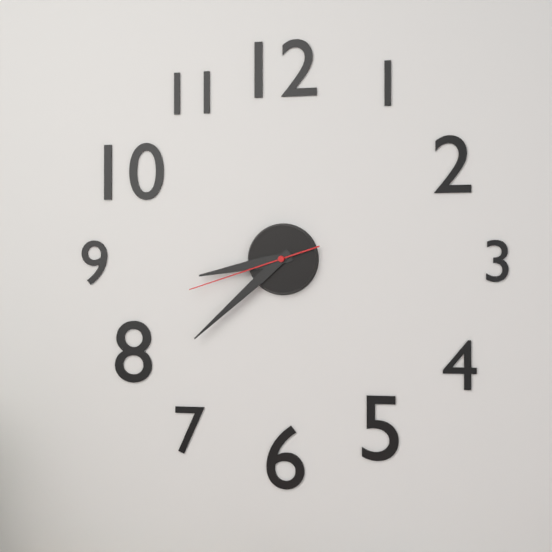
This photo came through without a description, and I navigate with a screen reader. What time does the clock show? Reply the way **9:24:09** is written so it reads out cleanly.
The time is **8:38:42**
